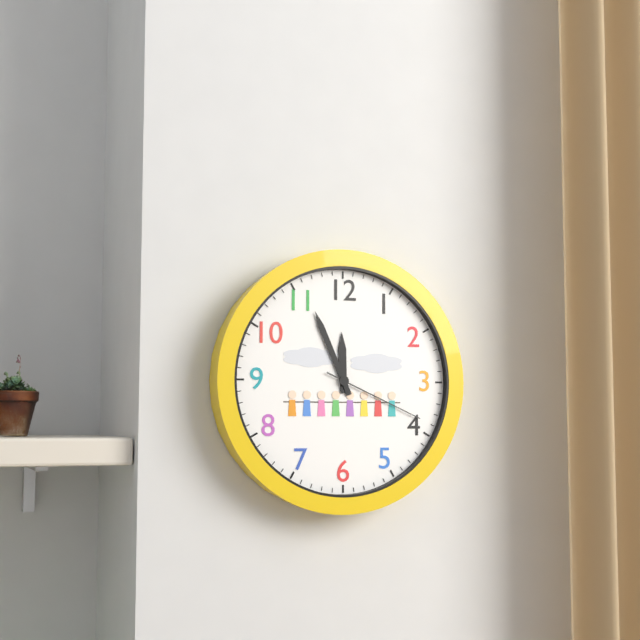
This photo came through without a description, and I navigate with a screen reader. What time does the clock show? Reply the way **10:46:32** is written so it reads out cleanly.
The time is **11:56:19**
